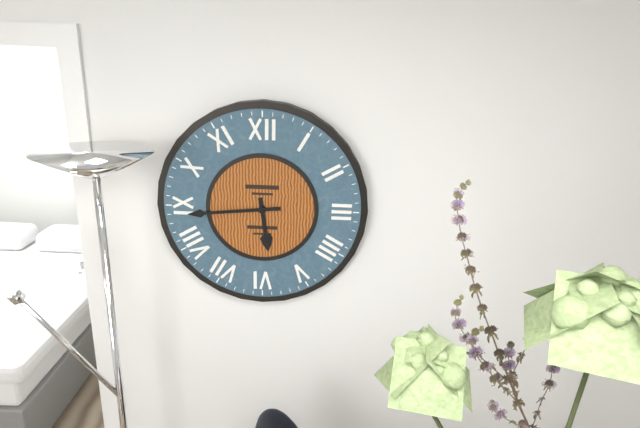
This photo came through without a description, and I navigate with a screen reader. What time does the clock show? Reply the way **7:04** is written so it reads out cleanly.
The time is **5:44**
